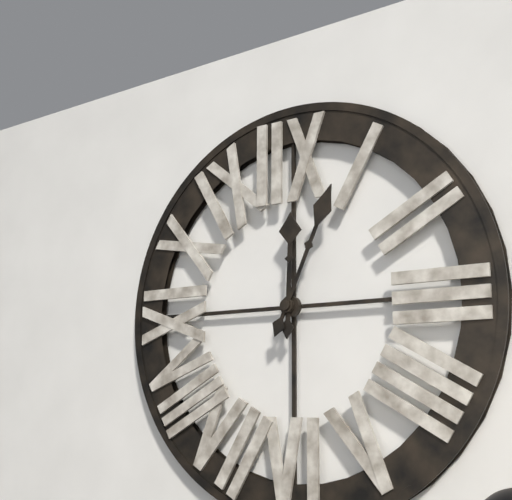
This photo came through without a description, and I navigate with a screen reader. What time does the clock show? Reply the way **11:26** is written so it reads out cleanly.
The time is **12:04**
